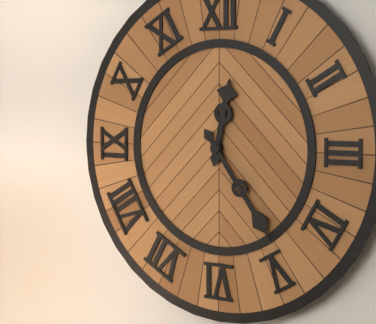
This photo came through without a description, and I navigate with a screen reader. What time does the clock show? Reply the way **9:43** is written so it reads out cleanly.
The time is **12:24**
